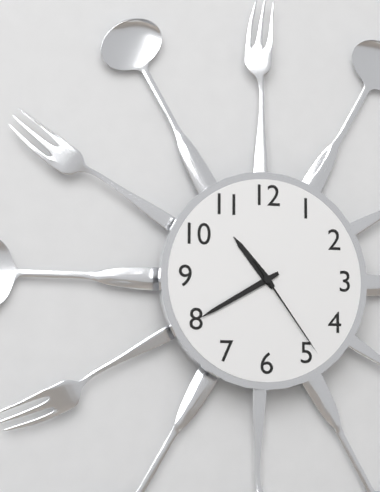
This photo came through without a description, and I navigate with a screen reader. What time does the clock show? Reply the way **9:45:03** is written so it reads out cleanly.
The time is **10:40:24**
